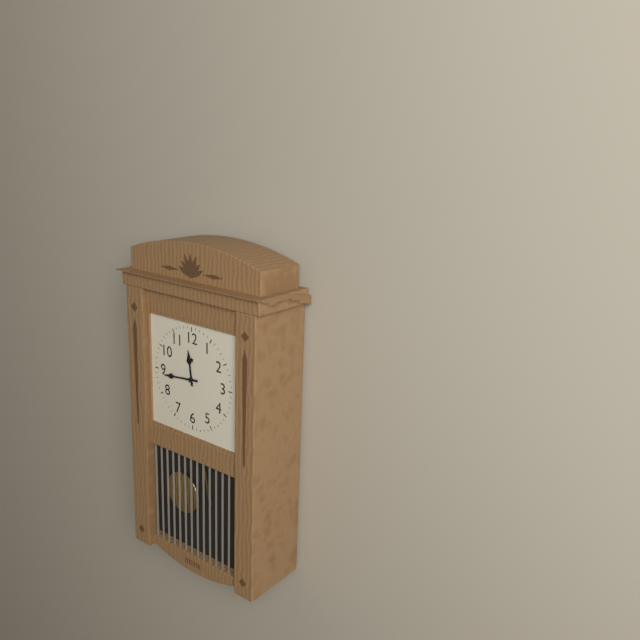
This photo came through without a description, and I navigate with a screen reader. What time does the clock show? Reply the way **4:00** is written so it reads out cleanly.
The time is **11:44**
